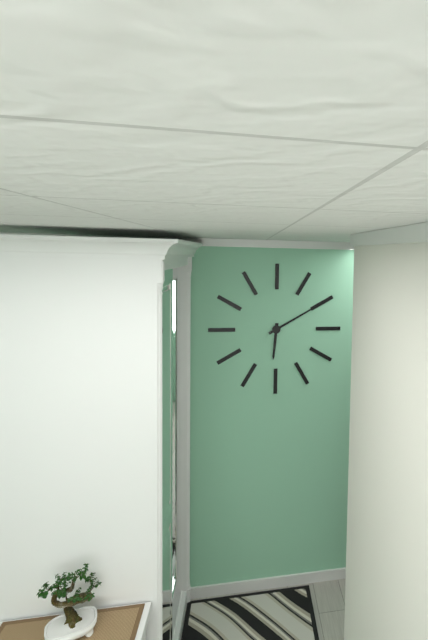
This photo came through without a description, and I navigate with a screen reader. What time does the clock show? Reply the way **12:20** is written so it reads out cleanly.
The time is **6:10**
